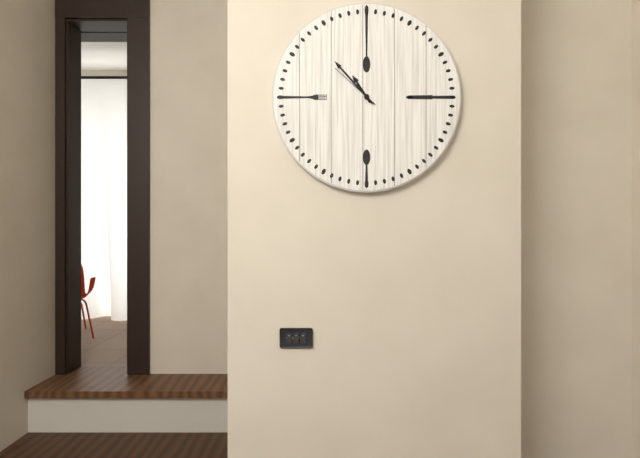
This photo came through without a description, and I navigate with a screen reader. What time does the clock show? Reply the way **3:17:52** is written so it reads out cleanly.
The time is **10:53:52**
